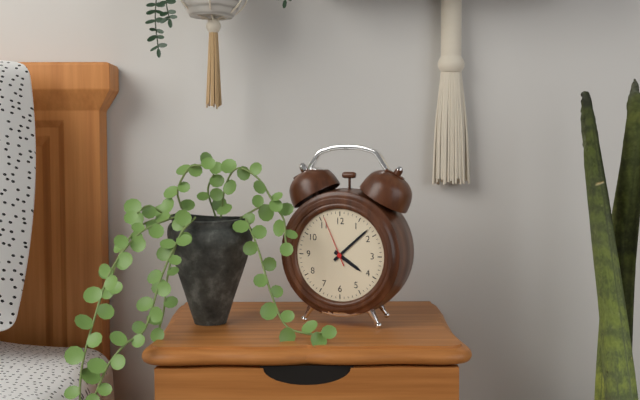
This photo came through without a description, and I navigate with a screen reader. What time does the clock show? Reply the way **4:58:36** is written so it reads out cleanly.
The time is **4:08:56**
